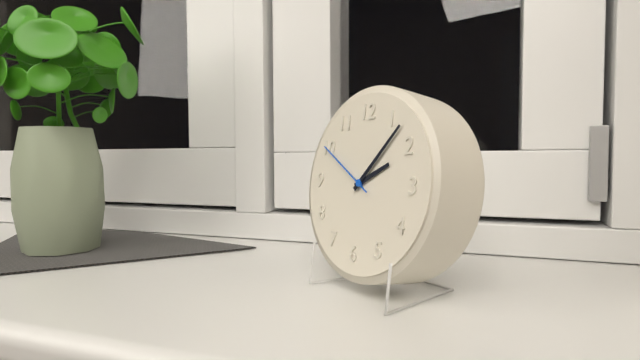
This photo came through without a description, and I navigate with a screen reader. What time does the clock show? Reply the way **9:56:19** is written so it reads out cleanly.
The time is **2:07:50**
